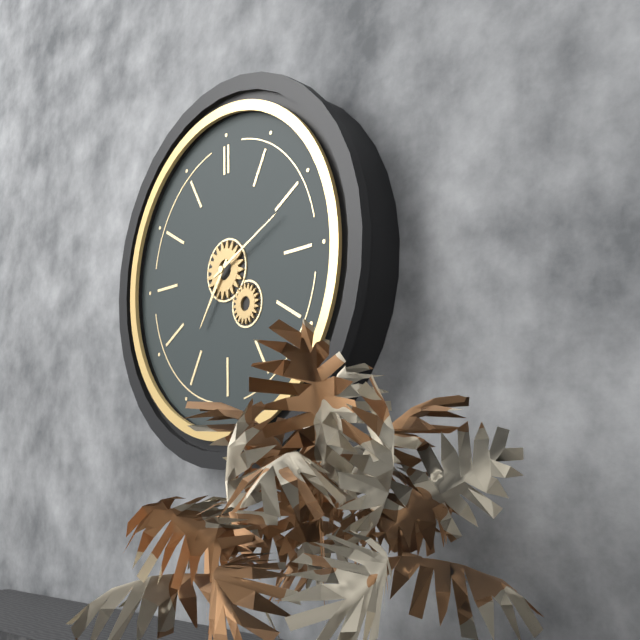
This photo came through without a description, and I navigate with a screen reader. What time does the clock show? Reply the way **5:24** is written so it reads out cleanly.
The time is **7:11**
